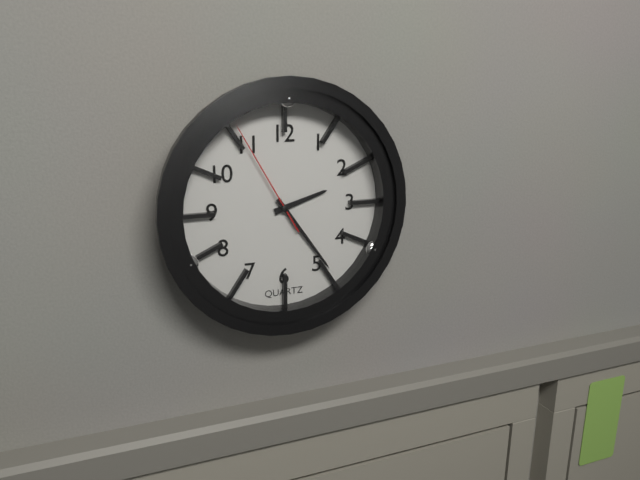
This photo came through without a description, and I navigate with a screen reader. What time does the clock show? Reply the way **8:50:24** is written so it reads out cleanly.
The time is **2:24:55**
